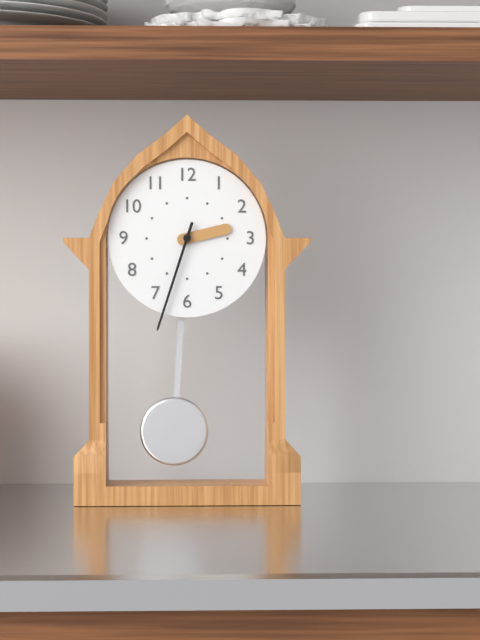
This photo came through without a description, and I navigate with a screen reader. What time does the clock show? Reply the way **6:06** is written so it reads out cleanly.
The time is **2:33**
